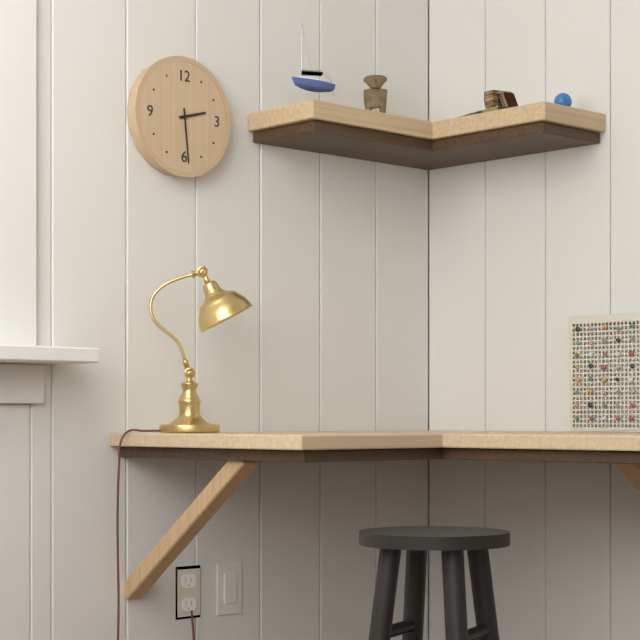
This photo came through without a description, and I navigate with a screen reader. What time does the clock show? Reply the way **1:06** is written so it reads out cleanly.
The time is **2:29**
